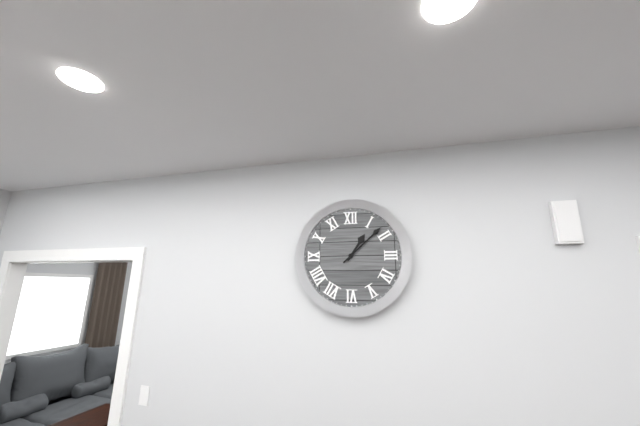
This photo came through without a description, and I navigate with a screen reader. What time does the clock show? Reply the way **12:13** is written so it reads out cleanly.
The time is **1:08**
